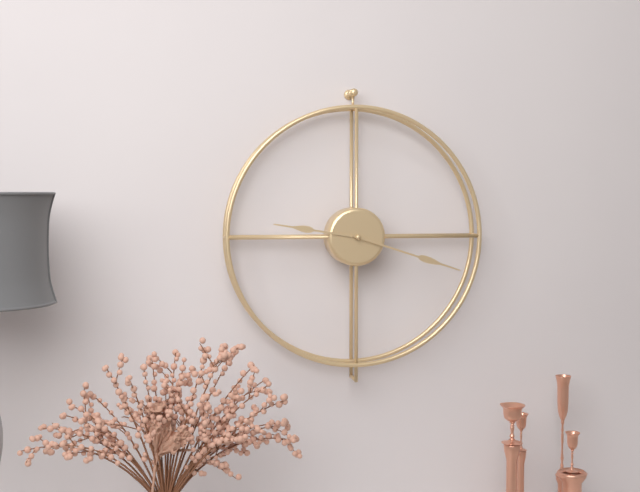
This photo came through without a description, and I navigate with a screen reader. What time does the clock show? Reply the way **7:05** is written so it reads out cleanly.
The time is **9:18**
